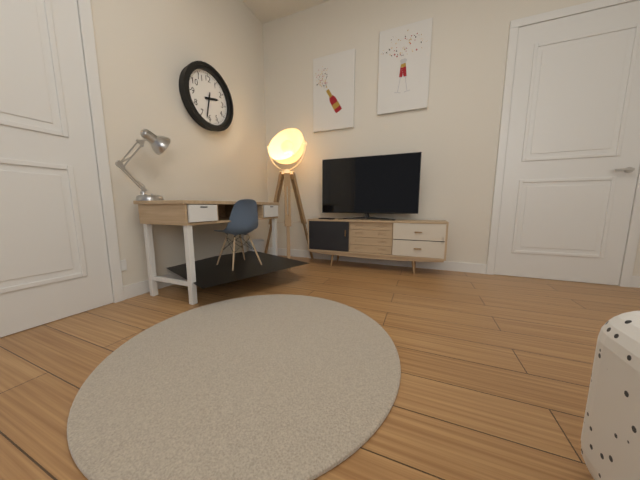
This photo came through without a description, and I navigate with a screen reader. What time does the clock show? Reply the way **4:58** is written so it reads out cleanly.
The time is **2:32**
